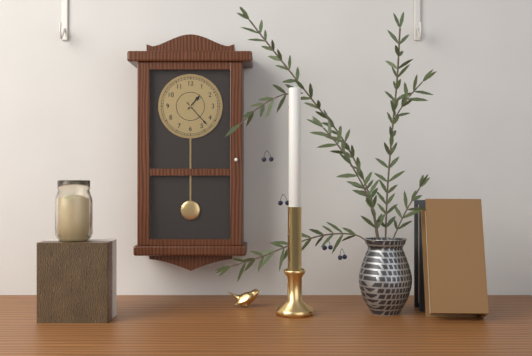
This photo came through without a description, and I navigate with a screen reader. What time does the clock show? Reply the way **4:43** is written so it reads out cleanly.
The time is **1:23**
